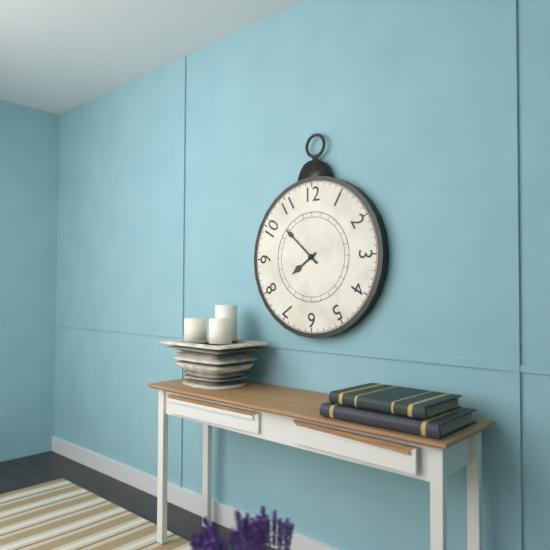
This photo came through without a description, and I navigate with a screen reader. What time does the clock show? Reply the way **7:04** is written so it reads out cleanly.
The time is **7:52**
